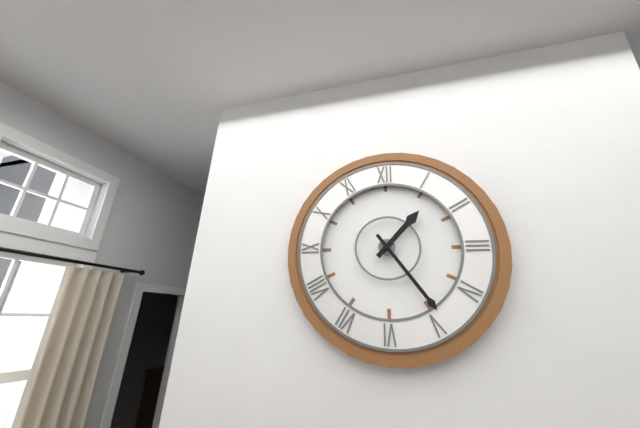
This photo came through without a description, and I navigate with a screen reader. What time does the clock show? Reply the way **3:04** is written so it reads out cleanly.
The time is **1:24**
